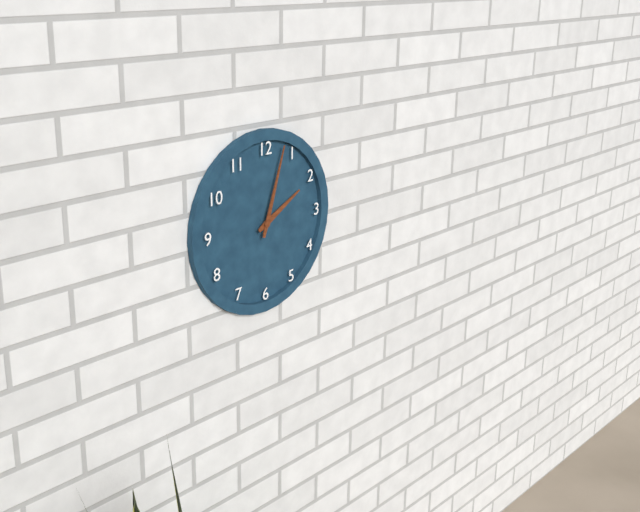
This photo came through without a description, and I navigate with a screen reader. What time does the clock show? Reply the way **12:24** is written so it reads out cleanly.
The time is **2:03**
